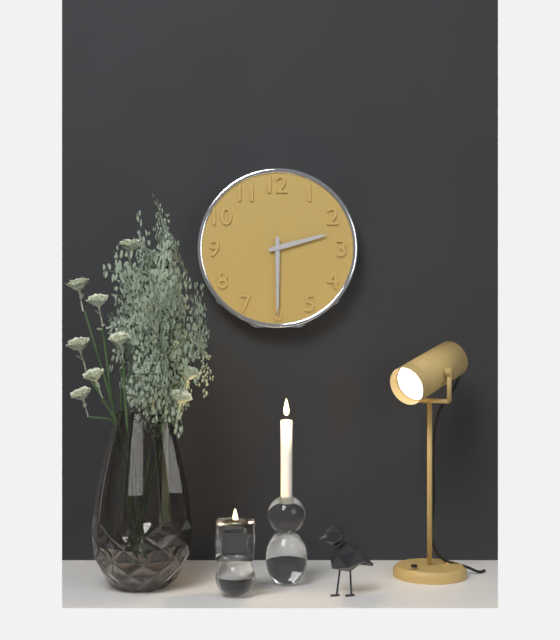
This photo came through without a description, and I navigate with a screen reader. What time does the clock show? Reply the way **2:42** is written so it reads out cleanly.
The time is **2:30**
